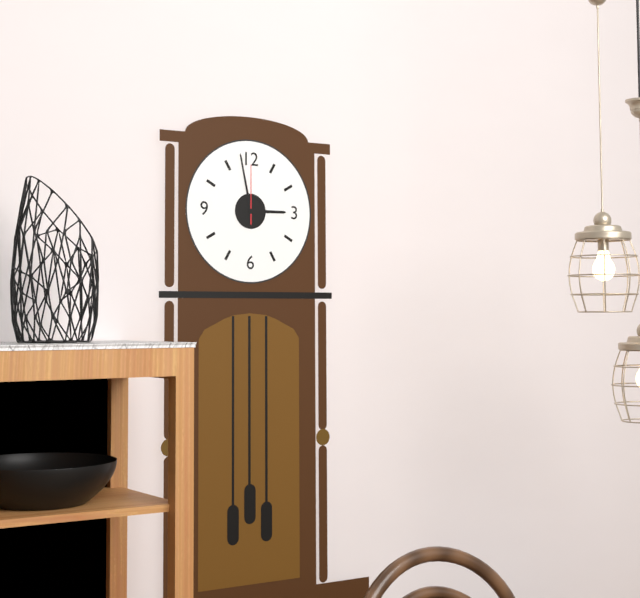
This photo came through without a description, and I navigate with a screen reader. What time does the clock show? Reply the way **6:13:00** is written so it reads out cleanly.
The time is **2:58:00**
